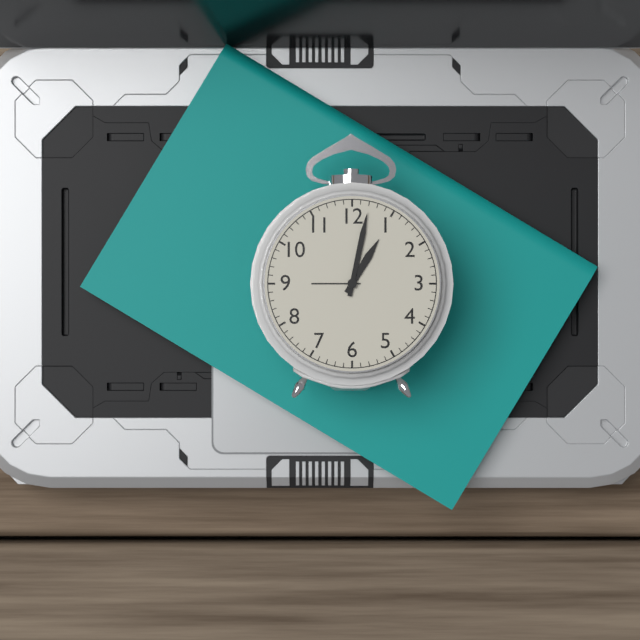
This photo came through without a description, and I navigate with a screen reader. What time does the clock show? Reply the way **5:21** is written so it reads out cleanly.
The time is **1:02**
